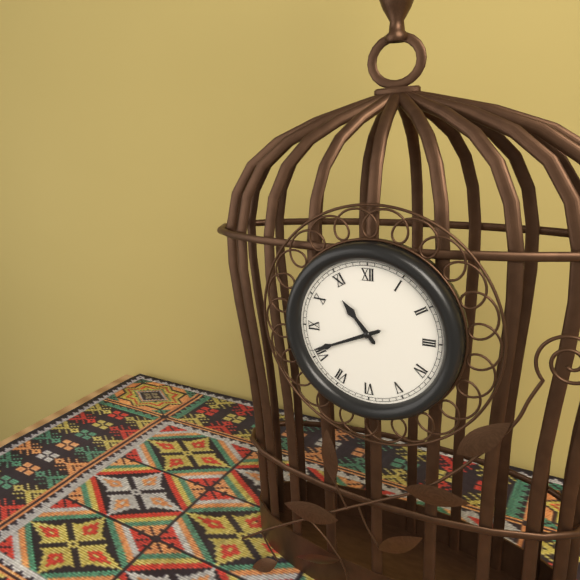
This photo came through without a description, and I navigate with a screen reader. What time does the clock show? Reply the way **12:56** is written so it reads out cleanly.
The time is **10:41**
